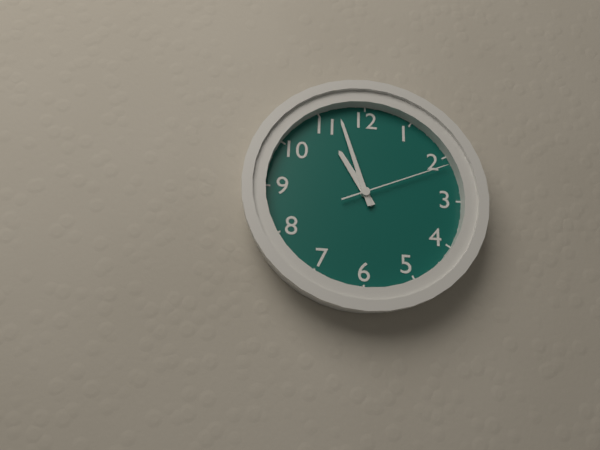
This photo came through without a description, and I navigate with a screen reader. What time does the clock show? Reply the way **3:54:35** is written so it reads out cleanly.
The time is **10:57:11**
